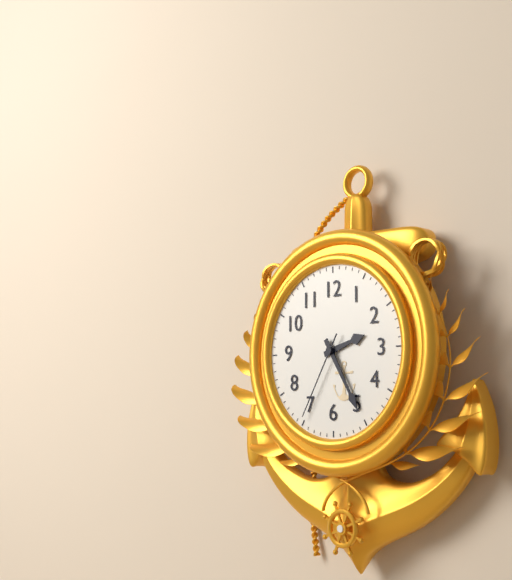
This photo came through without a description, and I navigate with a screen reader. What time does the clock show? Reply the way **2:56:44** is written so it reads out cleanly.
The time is **2:25:35**
